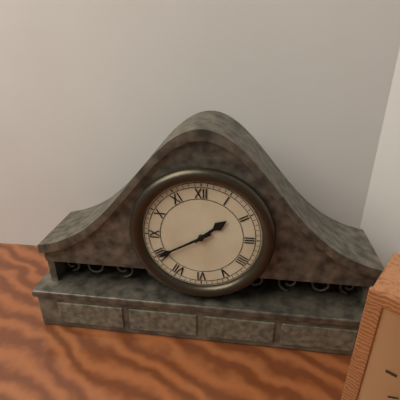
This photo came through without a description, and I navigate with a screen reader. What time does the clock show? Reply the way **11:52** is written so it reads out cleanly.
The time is **1:40**
